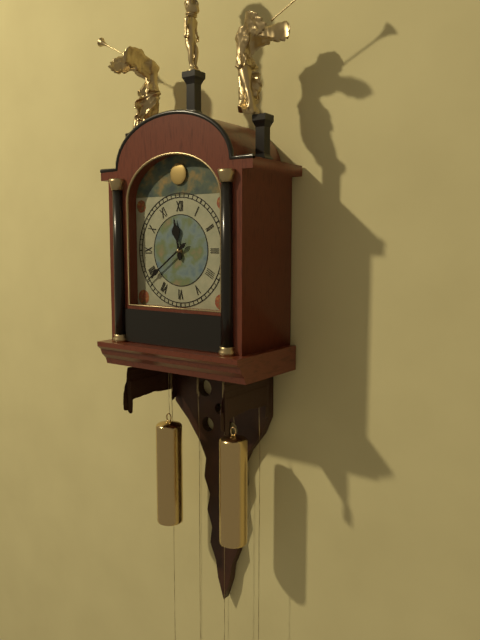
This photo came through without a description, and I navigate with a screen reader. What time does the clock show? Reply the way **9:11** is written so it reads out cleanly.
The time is **11:39**
